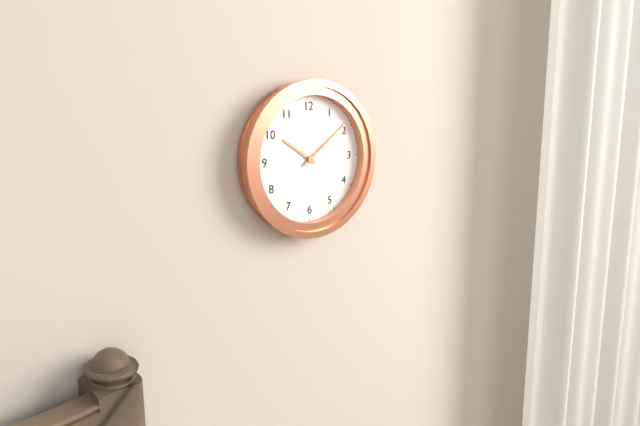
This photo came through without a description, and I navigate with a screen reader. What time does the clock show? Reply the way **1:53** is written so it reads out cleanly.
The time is **10:09**
